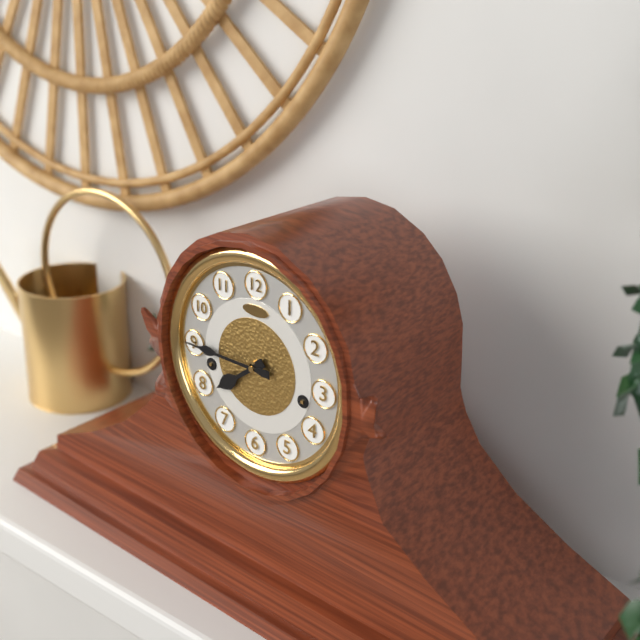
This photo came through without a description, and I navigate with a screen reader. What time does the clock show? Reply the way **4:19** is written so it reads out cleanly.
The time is **7:45**
